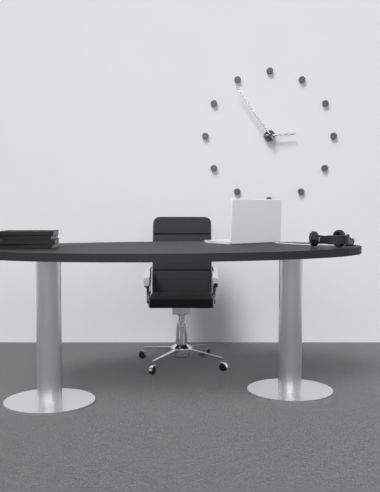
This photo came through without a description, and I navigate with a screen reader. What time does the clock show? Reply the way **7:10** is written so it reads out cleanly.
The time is **2:54**
